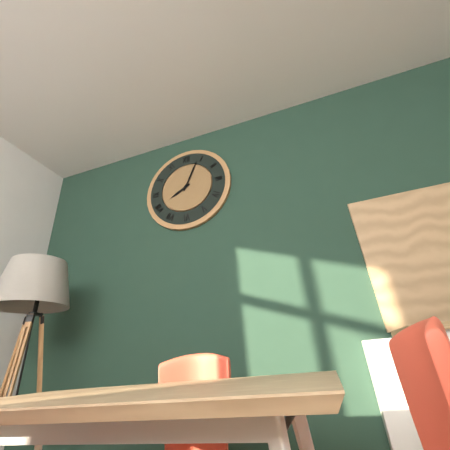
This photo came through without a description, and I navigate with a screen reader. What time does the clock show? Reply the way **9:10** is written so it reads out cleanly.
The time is **8:04**
